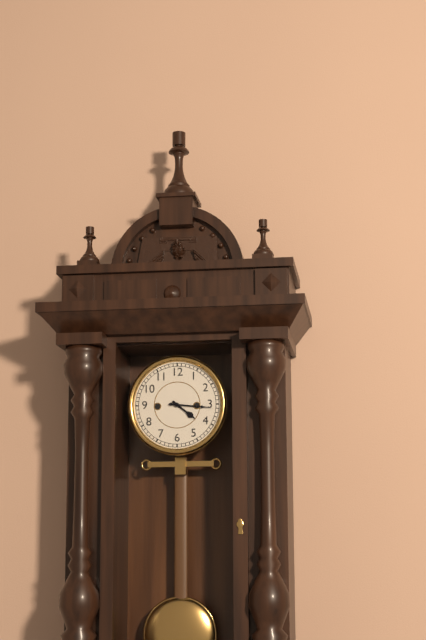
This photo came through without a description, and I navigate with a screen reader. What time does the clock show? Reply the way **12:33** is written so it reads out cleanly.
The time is **4:16**
